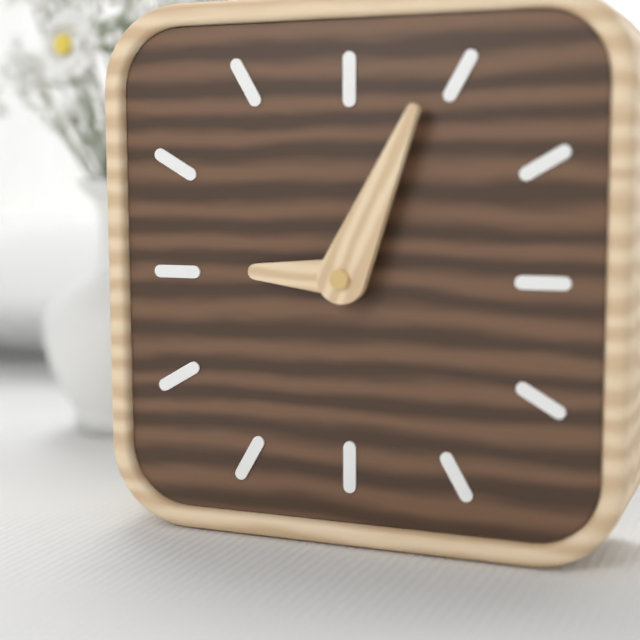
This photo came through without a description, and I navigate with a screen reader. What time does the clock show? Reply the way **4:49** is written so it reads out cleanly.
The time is **9:04**
